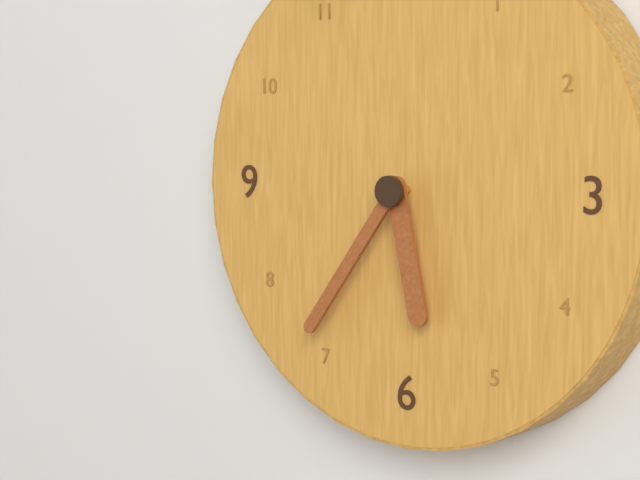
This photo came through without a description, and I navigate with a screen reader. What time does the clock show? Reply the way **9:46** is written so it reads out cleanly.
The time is **5:36**
